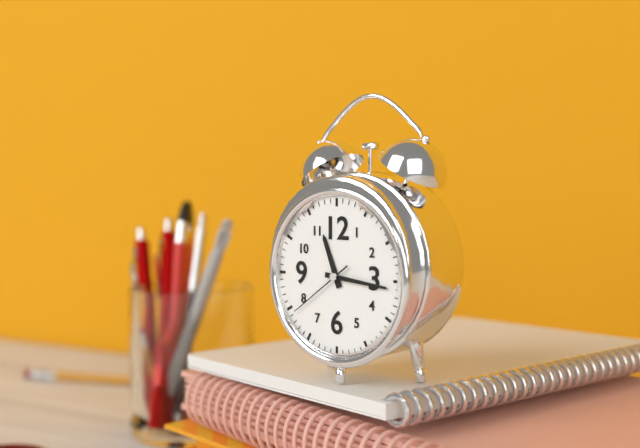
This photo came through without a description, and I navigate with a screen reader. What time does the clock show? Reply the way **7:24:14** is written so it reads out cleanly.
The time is **11:16:39**
